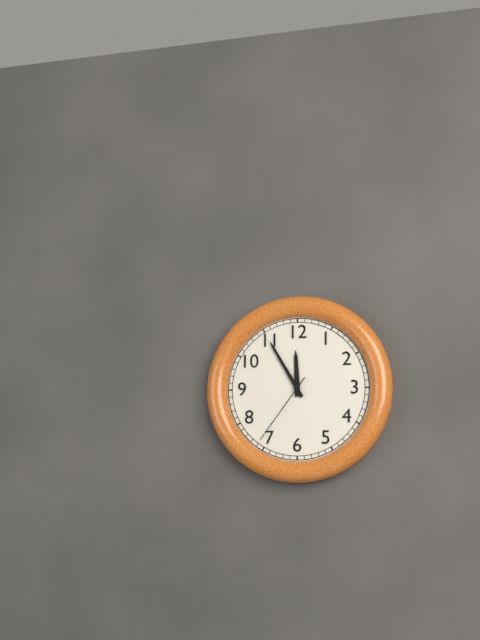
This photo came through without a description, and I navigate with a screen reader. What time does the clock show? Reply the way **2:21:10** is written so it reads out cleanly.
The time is **11:55:36**
